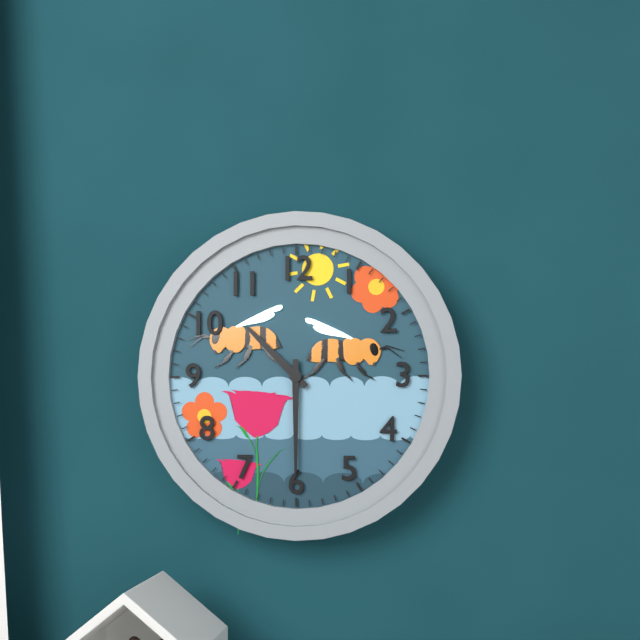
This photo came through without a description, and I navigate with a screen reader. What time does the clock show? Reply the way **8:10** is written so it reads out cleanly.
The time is **10:30**
